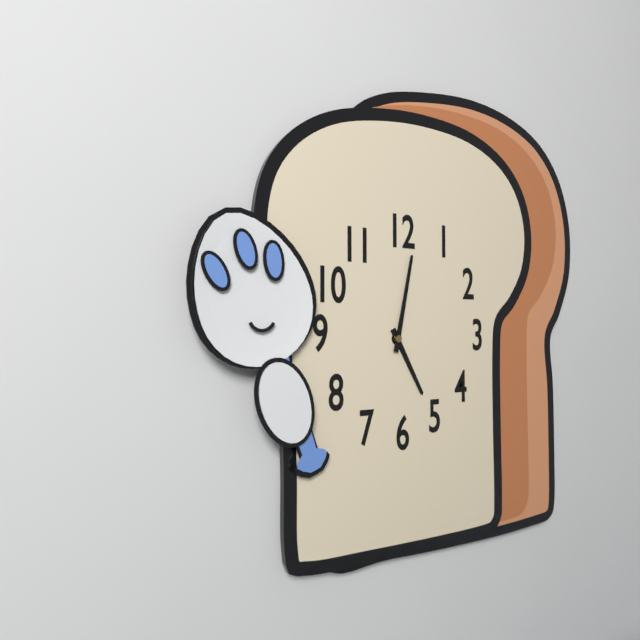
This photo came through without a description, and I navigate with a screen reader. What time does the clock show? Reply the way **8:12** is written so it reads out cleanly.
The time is **5:02**
